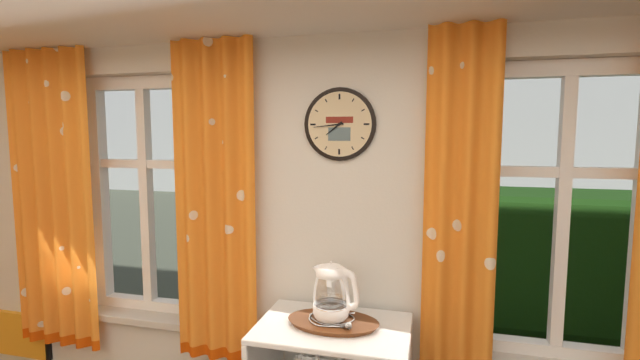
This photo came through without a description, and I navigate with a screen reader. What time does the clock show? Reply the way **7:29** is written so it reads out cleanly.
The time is **7:44**
